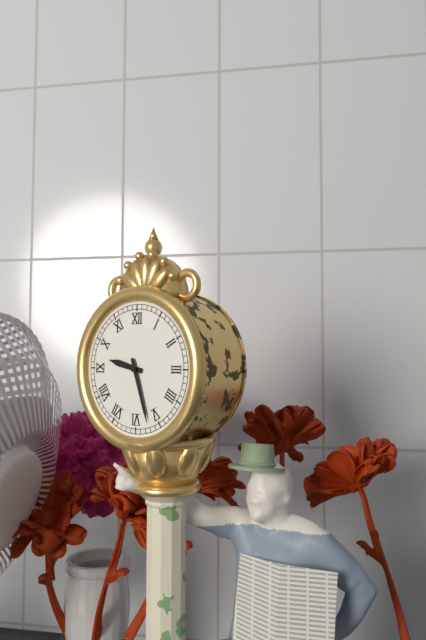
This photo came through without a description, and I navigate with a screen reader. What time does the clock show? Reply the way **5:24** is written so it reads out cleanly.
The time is **9:27**
